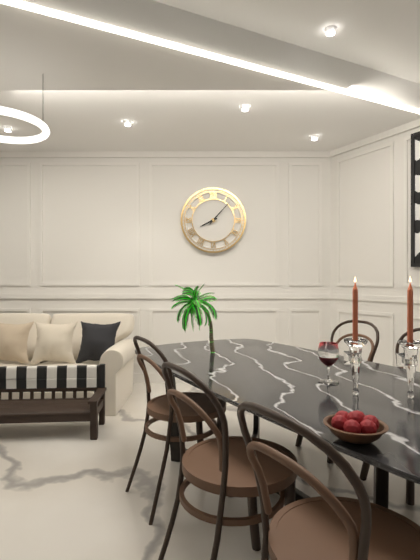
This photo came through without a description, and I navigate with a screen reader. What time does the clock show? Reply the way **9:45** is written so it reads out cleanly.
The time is **8:07**
